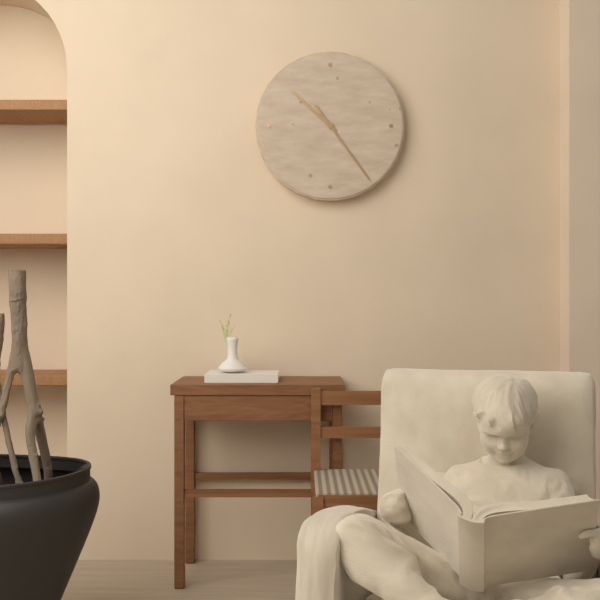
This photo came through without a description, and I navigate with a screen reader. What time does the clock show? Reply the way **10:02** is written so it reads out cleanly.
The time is **10:24**
